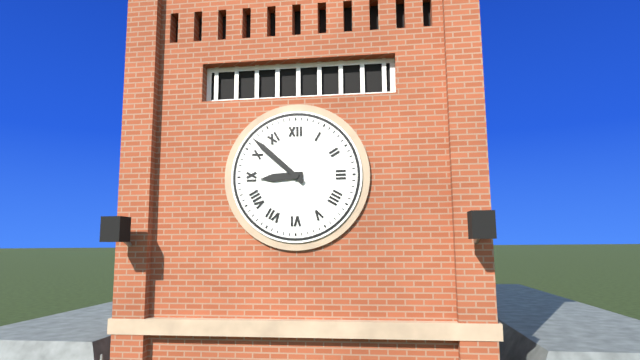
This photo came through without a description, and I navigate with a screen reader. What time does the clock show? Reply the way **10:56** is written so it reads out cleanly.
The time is **8:52**
